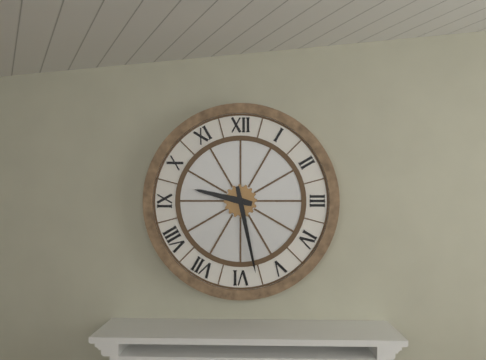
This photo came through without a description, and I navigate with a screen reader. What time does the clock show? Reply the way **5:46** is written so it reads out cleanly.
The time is **9:28**
